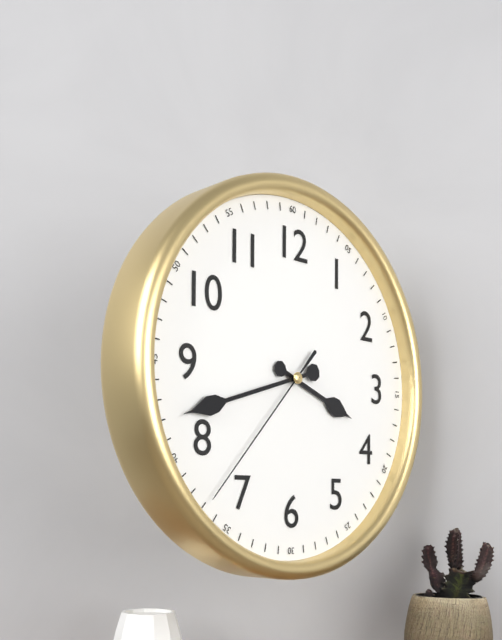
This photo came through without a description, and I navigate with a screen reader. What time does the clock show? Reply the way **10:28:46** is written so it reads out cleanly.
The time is **3:42:37**
